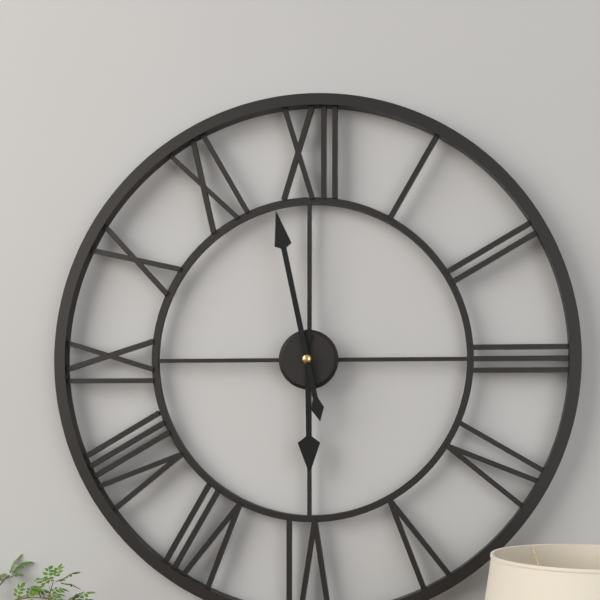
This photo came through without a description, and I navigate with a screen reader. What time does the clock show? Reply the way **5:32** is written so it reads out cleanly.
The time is **5:58**
